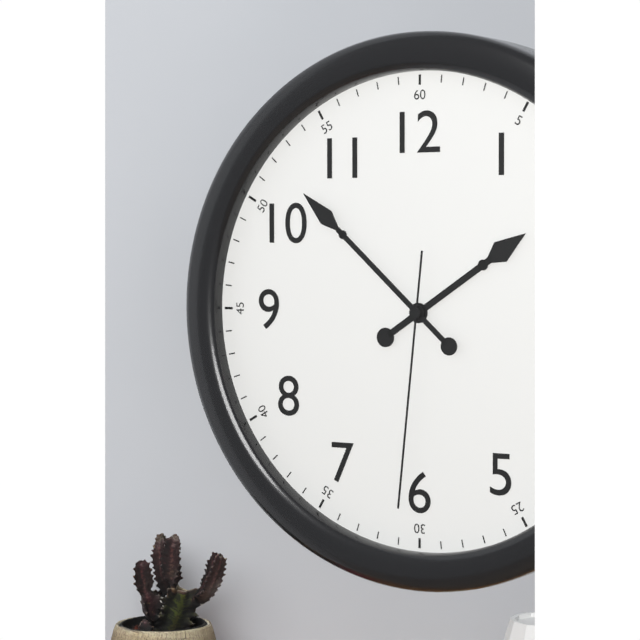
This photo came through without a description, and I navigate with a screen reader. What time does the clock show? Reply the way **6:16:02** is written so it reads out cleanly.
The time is **1:52:31**
